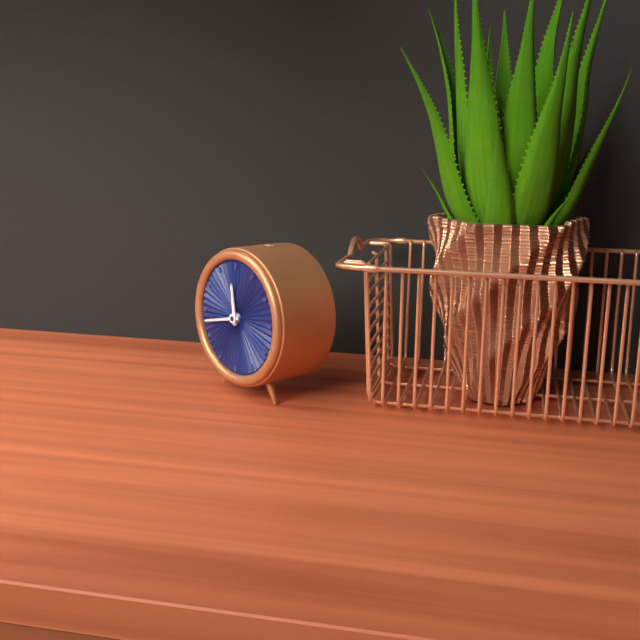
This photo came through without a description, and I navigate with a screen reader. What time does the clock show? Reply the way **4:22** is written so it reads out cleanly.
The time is **11:43**
